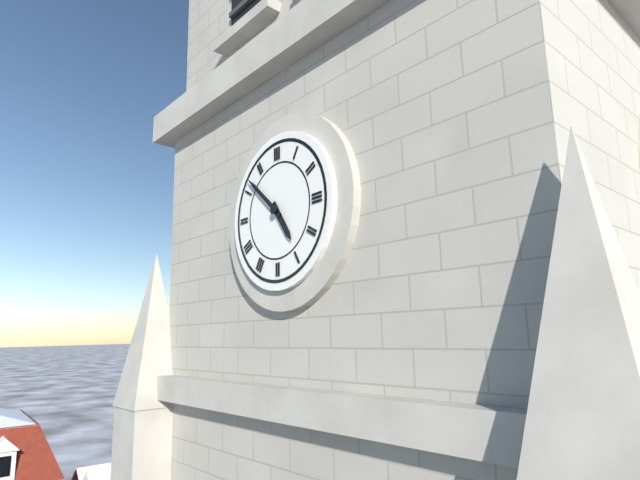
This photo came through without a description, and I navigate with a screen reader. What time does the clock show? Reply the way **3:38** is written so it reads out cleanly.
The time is **4:52**
